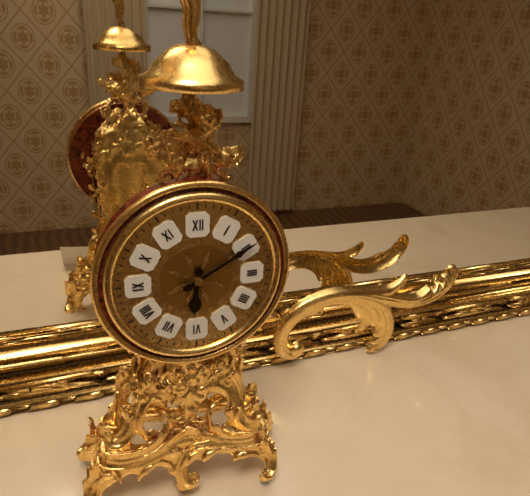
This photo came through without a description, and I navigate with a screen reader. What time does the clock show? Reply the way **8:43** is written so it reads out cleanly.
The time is **6:10**
